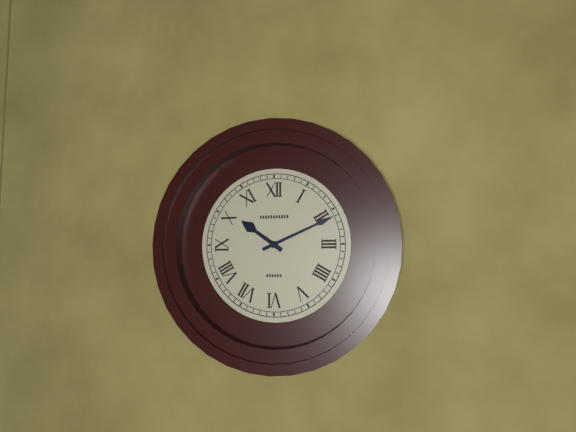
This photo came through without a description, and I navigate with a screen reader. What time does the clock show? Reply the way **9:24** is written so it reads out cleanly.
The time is **10:11**
